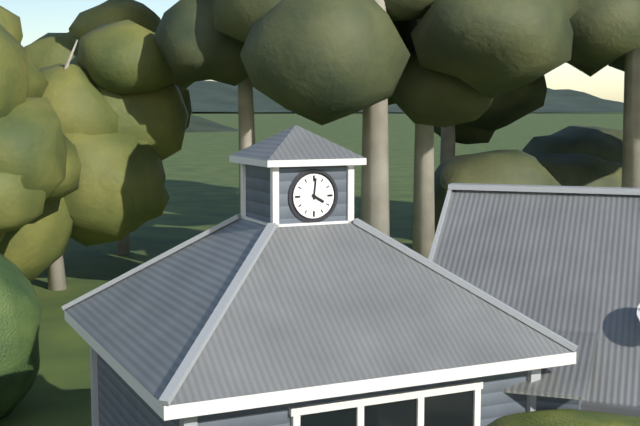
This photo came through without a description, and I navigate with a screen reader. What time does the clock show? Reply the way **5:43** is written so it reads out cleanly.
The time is **4:01**
